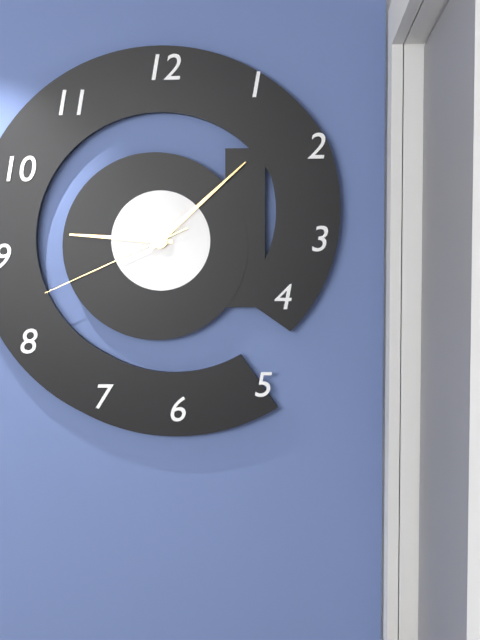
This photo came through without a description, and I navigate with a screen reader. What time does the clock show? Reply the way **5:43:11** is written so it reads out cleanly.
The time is **9:08:41**
